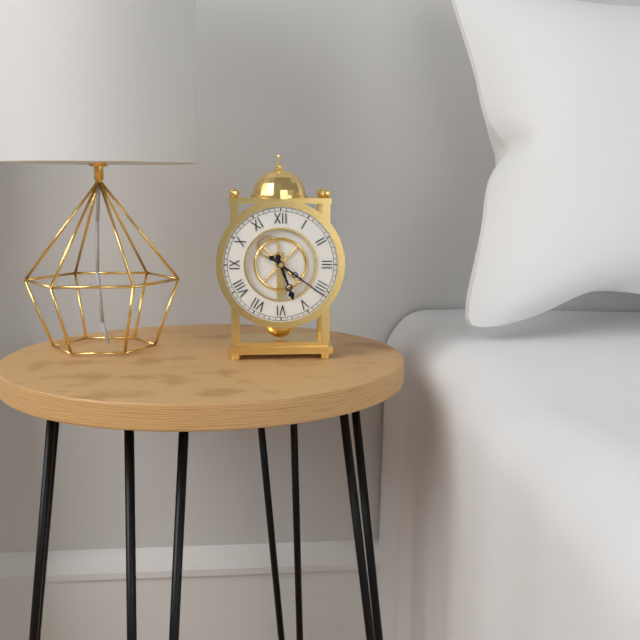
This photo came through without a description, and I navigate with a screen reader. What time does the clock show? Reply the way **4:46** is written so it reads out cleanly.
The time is **5:21**
